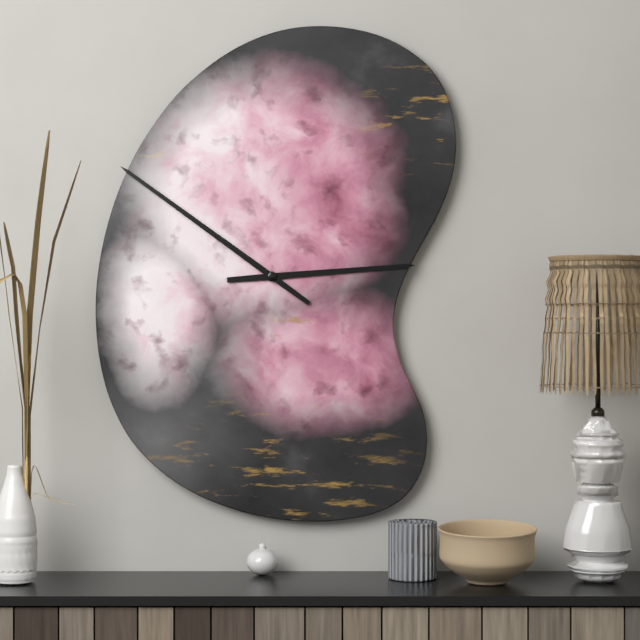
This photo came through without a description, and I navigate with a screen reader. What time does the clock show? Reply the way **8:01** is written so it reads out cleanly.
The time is **2:51**
